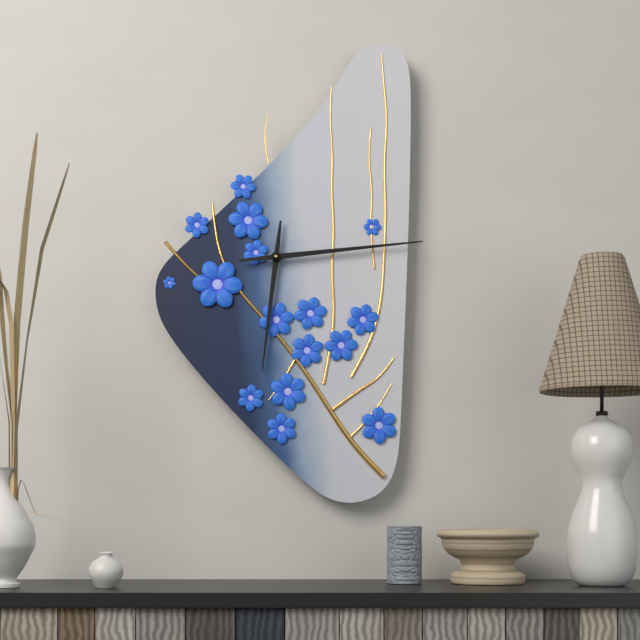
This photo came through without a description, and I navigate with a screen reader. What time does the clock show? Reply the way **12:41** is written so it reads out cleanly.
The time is **6:14**
